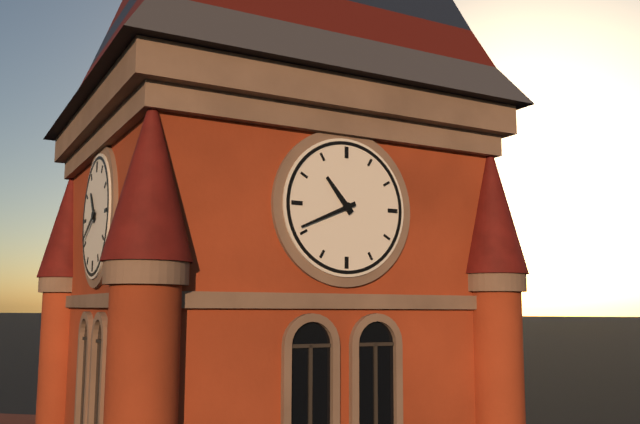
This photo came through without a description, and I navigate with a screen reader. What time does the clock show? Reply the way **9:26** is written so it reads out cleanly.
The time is **10:41**
